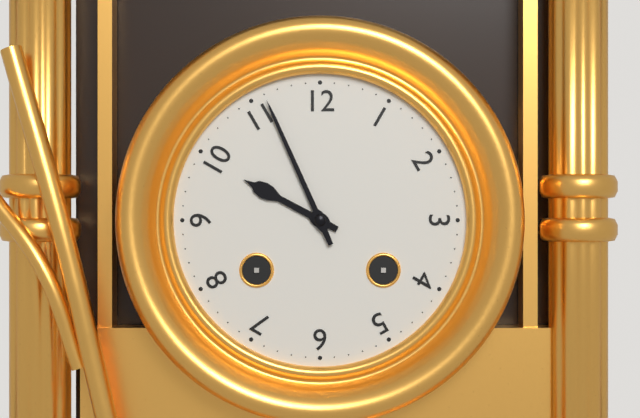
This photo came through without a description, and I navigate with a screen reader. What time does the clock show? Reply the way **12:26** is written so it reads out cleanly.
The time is **9:56**
